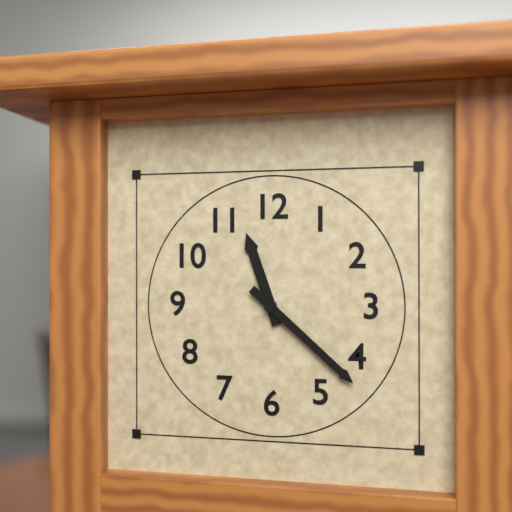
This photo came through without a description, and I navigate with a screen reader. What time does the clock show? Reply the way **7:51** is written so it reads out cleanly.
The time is **11:22**
